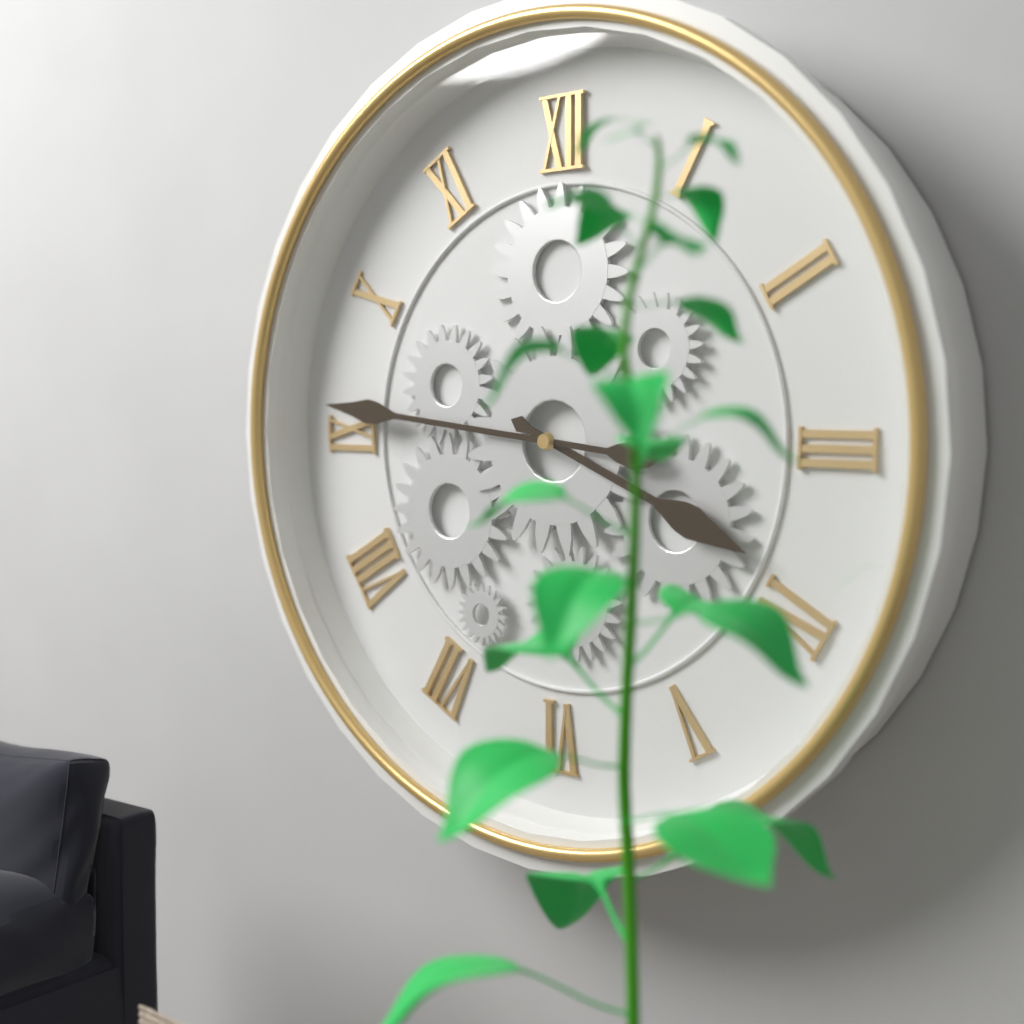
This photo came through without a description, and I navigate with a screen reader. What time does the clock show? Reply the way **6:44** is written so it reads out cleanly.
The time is **3:46**
